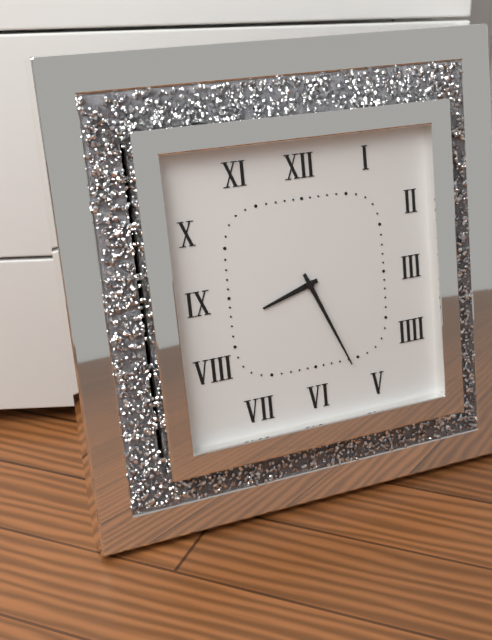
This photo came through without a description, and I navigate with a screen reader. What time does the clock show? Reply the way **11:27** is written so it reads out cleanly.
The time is **8:26**
